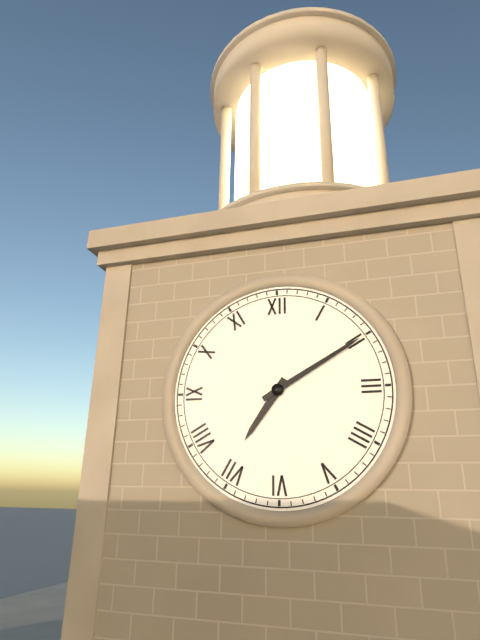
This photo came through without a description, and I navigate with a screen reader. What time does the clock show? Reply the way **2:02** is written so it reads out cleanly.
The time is **7:10**
